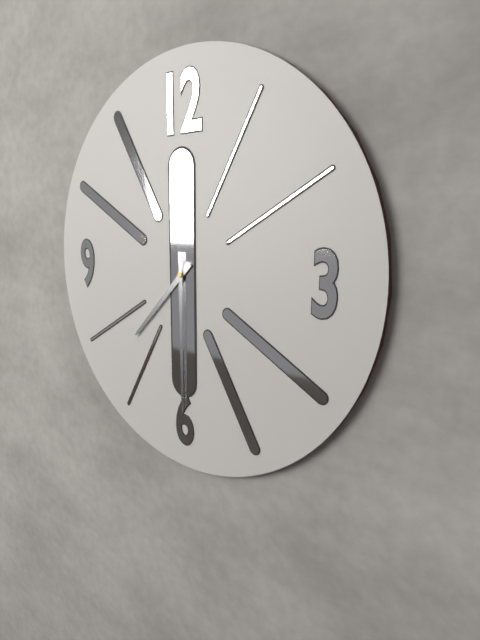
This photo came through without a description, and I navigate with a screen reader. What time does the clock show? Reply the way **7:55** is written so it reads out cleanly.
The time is **7:30**
